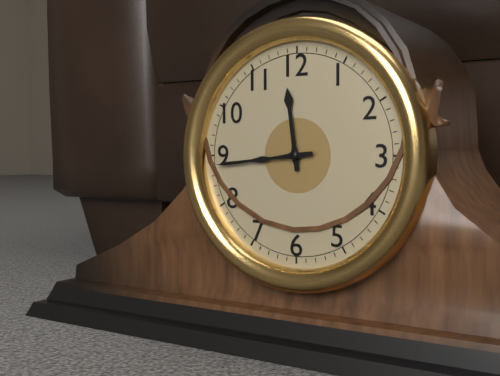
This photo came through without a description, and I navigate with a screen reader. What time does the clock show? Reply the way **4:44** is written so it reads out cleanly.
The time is **11:44**
